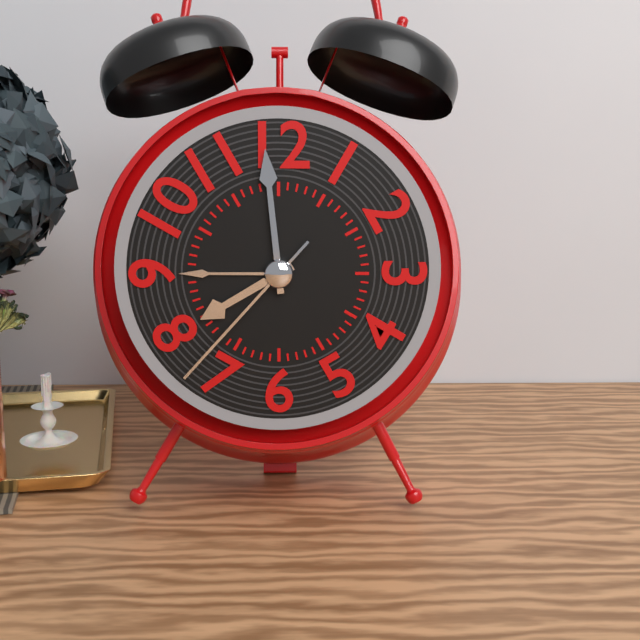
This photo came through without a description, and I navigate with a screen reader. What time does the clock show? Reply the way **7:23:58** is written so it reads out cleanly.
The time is **7:59:37**
